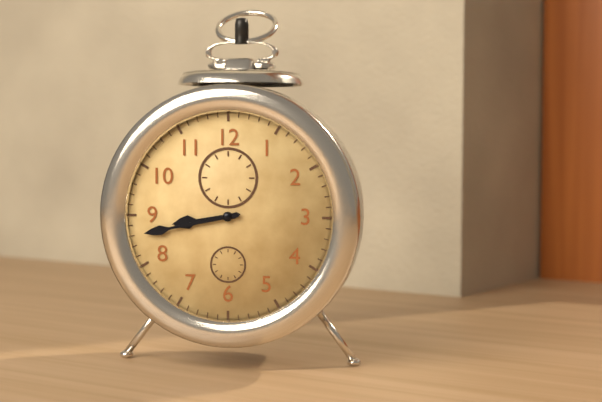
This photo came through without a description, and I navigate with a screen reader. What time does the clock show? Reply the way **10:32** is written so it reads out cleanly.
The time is **8:43**
